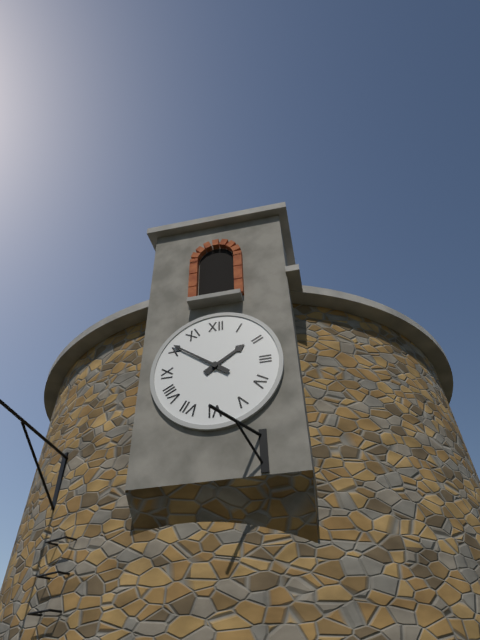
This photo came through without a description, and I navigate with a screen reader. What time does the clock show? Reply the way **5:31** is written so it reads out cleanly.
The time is **1:51**
